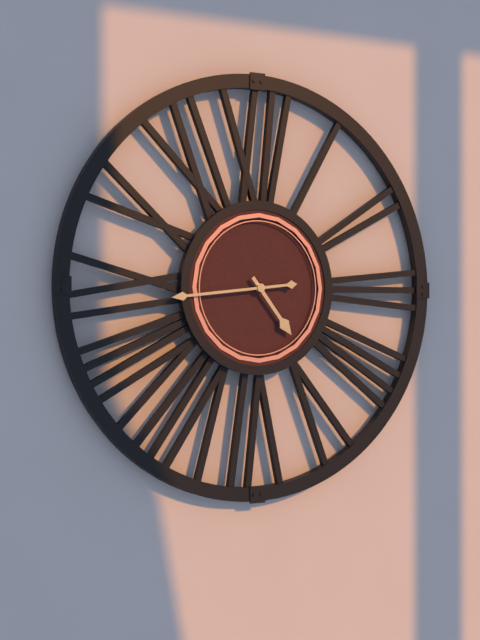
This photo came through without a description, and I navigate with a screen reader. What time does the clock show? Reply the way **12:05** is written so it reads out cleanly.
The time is **4:44**
